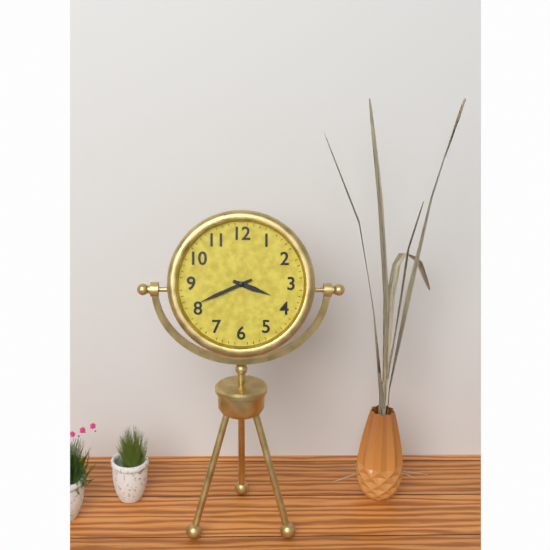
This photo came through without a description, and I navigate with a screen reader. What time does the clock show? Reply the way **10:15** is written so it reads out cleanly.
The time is **3:41**
